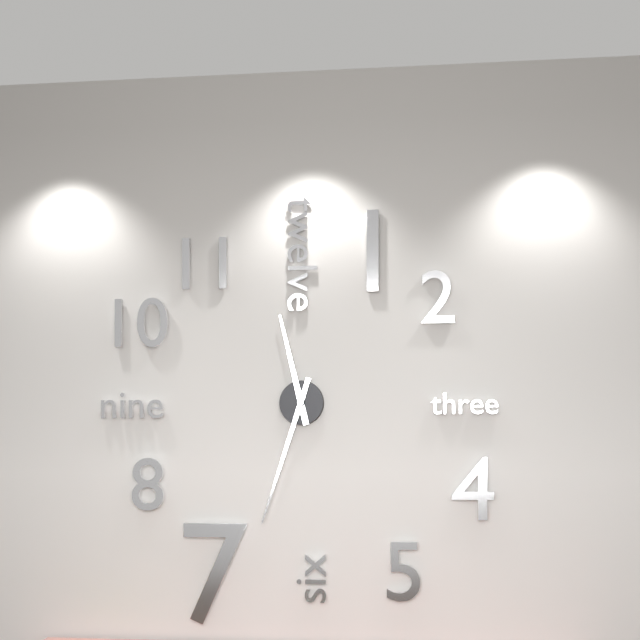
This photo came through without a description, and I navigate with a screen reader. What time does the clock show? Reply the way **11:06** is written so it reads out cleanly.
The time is **11:33**
